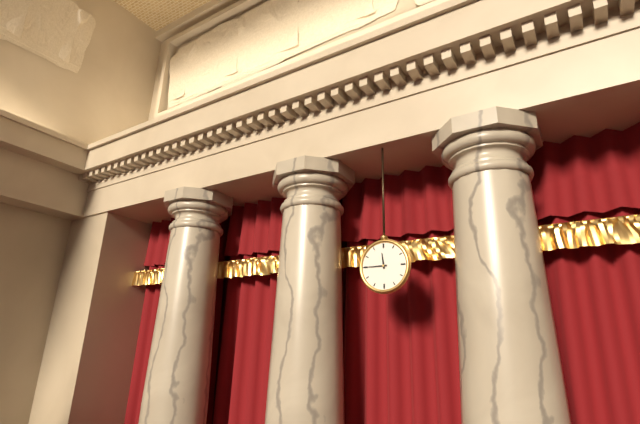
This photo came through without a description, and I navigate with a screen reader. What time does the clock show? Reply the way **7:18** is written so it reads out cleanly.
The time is **11:45**
